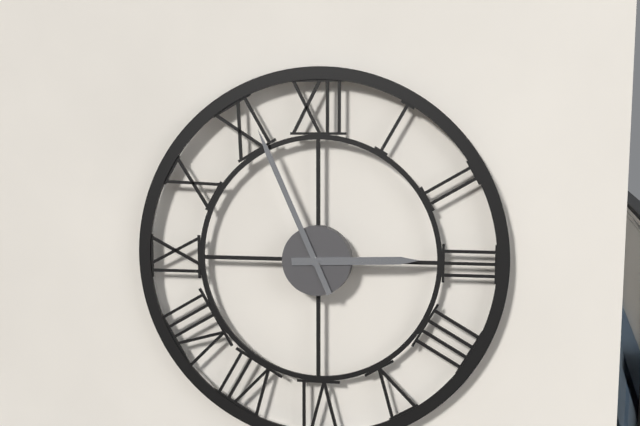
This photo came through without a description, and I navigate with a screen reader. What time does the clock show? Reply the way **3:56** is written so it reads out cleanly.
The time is **2:56**
